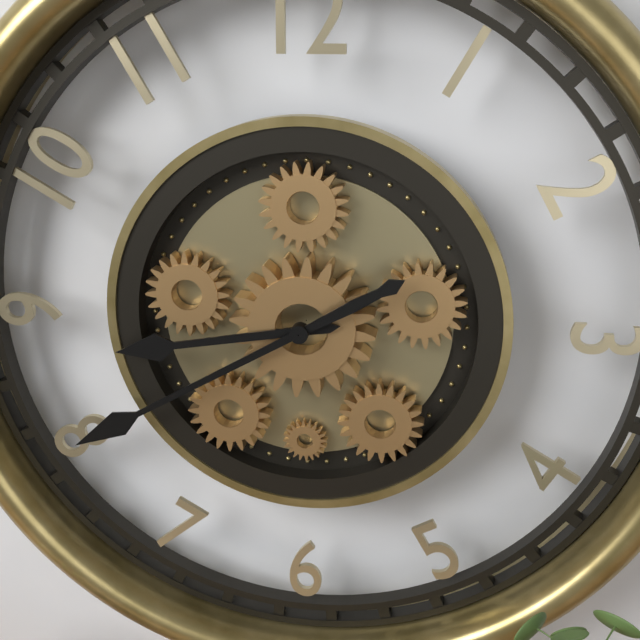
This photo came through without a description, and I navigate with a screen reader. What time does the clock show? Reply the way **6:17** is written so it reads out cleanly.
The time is **8:40**
